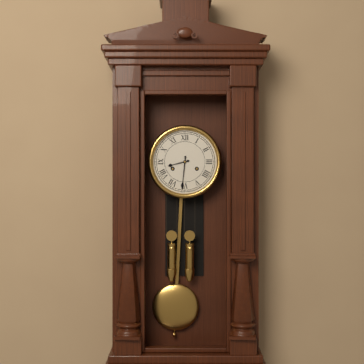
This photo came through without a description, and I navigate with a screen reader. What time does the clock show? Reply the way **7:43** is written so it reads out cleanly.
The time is **8:31**
